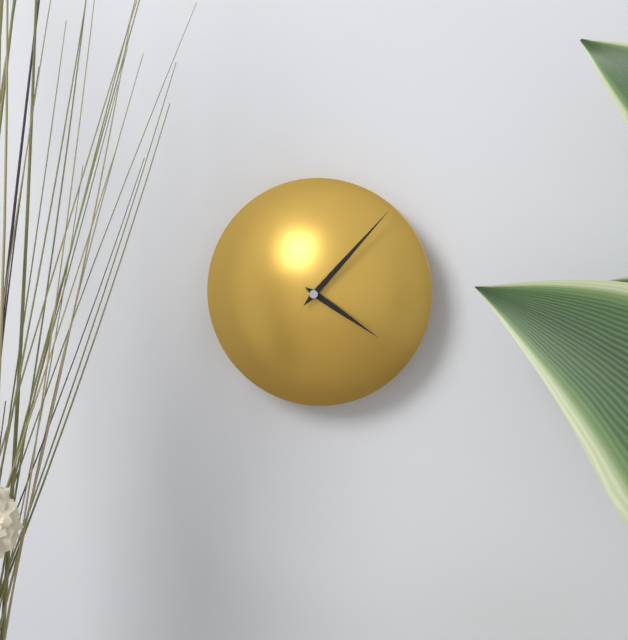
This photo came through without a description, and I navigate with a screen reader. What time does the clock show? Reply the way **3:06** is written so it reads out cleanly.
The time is **4:07**
